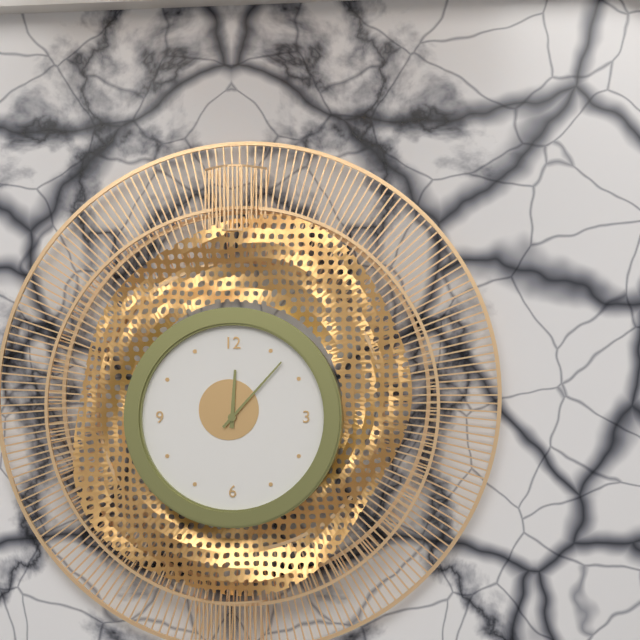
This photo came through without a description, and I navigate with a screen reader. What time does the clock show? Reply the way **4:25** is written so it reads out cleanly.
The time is **12:07**
